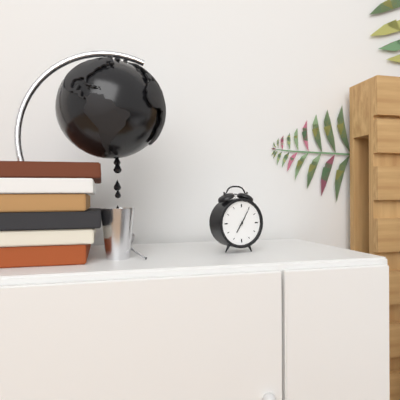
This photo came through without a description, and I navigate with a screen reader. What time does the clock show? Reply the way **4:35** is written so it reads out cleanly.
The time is **7:05**
